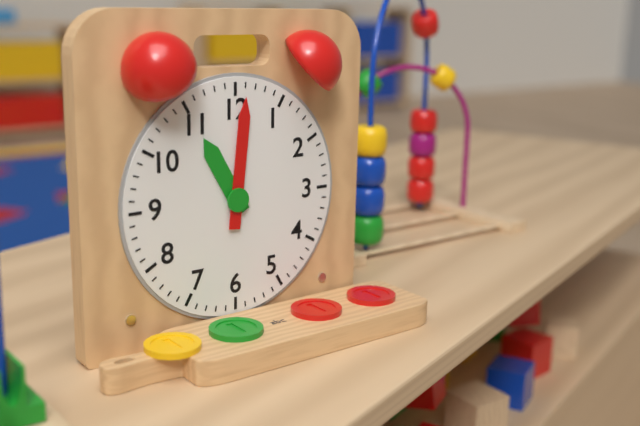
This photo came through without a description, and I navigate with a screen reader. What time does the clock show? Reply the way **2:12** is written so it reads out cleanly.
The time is **11:01**
